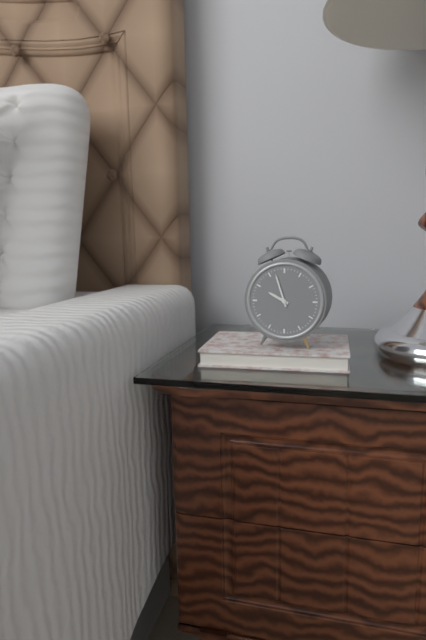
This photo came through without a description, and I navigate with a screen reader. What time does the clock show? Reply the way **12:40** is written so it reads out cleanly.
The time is **9:57**
